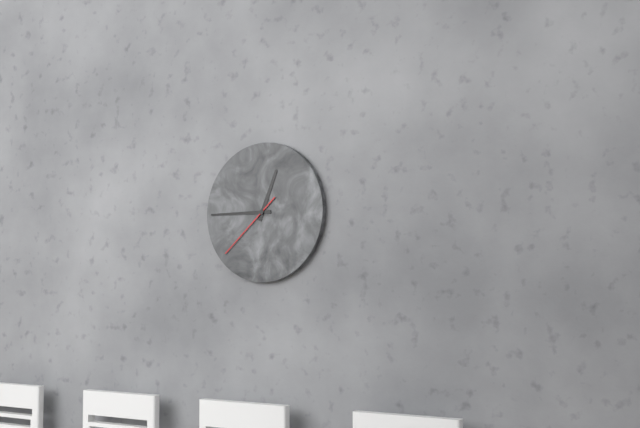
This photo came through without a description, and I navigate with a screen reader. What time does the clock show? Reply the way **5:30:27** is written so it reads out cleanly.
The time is **12:45:38**
